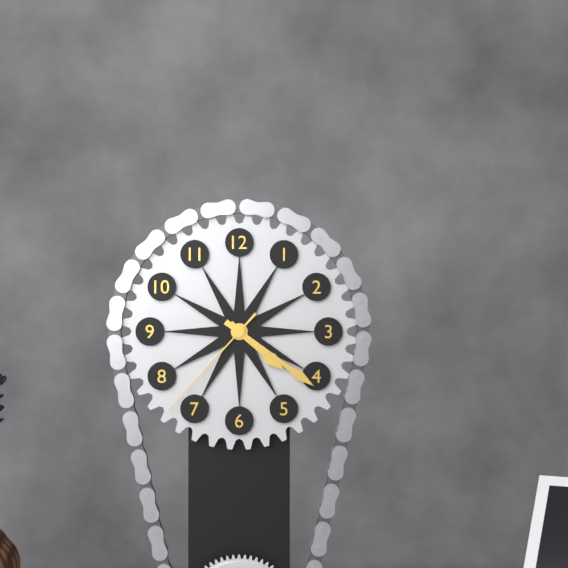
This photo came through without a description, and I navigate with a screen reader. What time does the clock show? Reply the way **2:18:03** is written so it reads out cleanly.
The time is **4:21:37**
